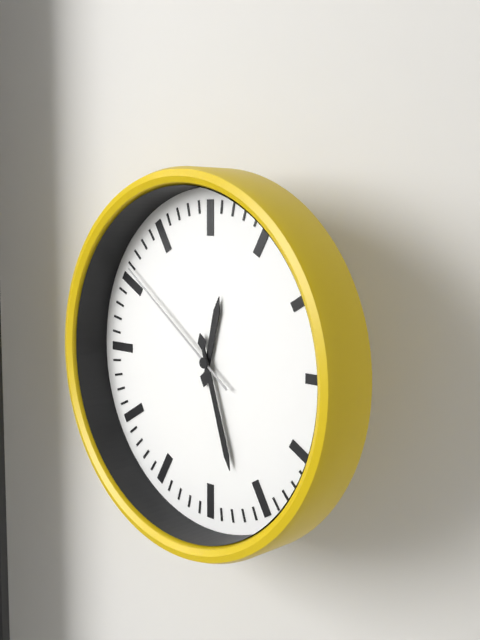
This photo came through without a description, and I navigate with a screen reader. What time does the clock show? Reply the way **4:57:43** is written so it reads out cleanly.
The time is **12:27:51**
